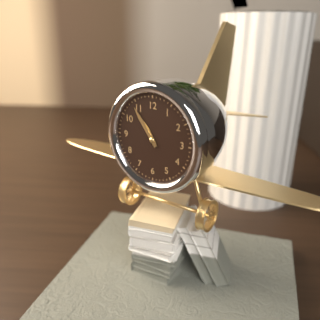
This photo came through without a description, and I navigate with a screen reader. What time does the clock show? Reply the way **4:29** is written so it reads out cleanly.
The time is **10:54**
